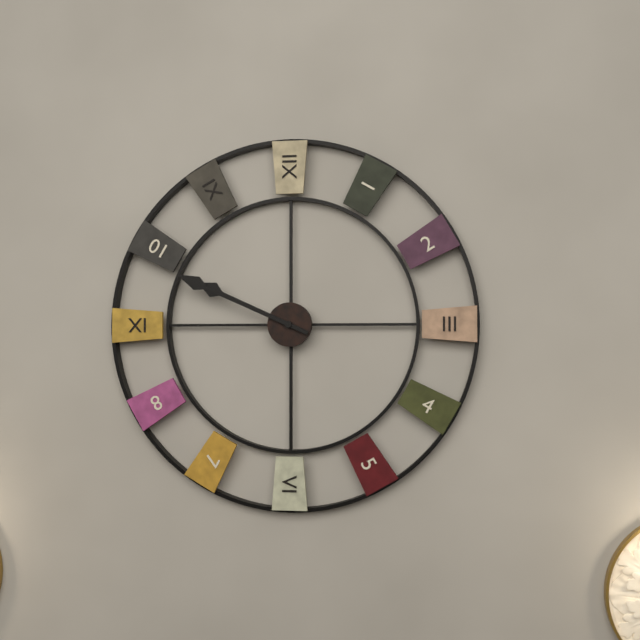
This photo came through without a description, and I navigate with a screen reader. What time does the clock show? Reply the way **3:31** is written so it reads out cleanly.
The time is **9:49**
